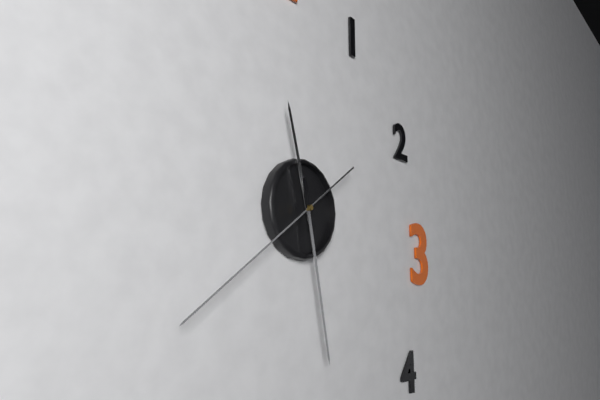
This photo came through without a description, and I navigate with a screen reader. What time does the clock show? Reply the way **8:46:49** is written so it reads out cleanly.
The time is **11:28:39**
